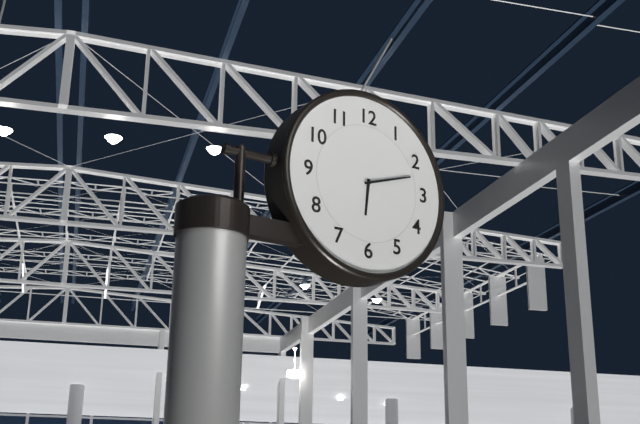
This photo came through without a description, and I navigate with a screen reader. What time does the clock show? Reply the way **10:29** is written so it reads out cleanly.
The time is **6:12**
